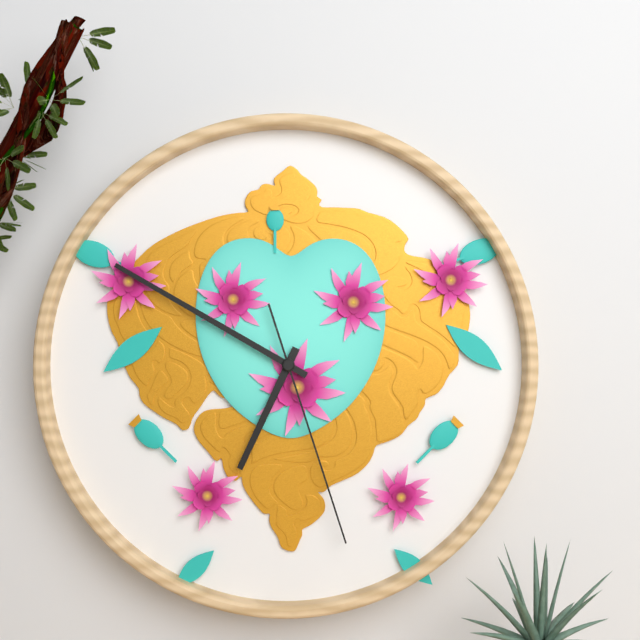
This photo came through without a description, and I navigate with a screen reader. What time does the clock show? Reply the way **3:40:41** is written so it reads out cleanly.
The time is **6:50:27**
